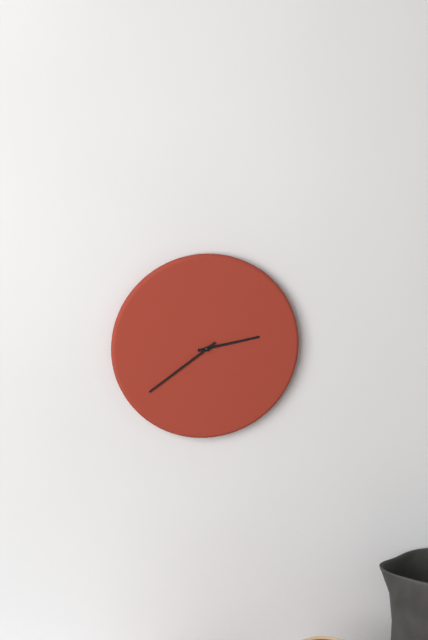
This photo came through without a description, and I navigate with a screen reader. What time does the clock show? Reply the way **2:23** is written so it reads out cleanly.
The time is **2:39**
